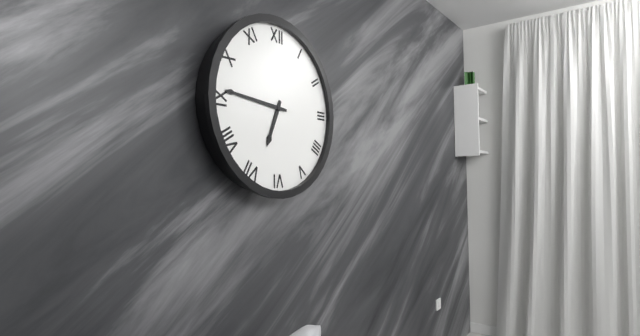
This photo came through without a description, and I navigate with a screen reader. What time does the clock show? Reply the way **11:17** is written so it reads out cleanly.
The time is **6:46**
